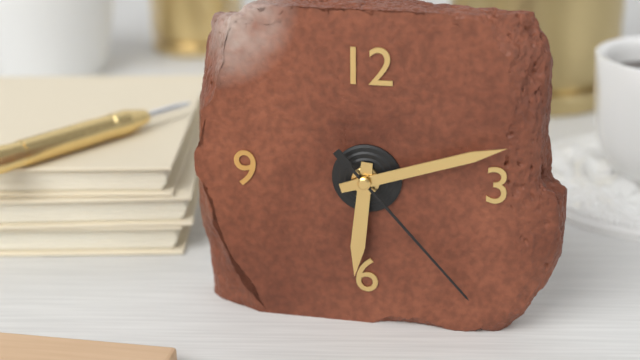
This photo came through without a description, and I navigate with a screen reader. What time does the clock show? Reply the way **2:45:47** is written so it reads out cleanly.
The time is **6:12:23**
